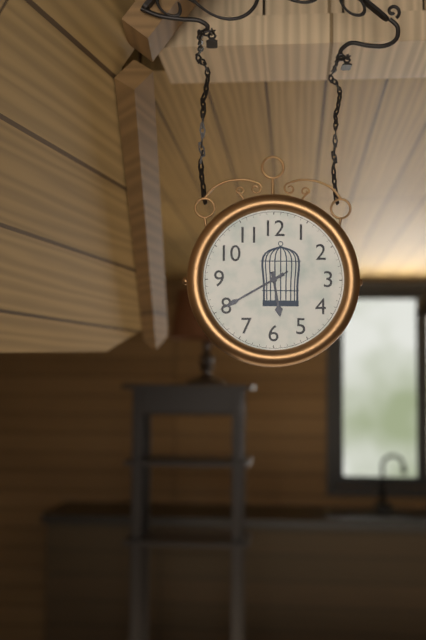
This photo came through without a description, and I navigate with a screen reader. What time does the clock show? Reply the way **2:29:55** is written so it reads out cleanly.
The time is **5:40:40**
